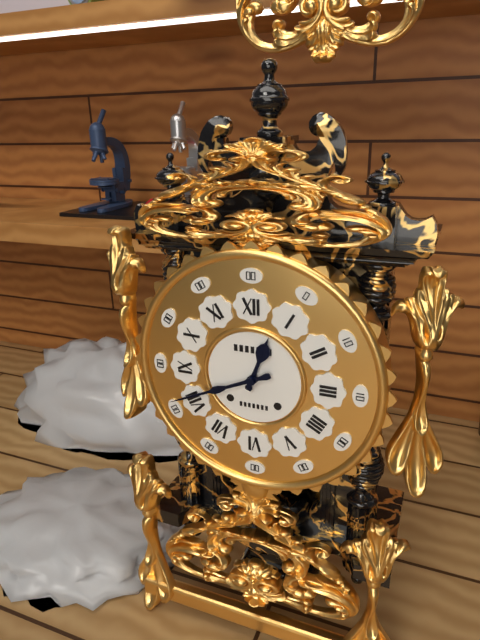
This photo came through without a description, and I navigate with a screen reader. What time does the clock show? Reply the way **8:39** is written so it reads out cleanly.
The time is **12:41**
